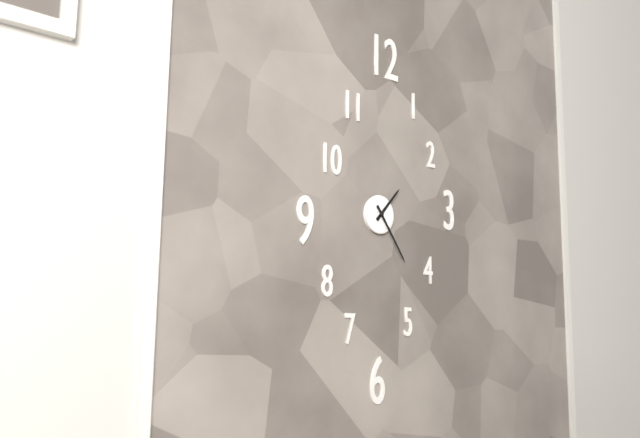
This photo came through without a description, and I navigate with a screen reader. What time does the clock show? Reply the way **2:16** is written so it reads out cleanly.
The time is **1:24**
